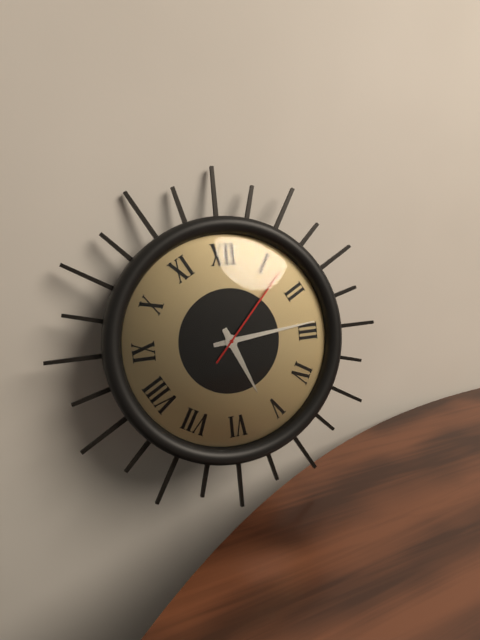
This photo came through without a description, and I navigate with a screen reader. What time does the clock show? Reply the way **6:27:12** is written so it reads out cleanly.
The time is **5:14:07**
